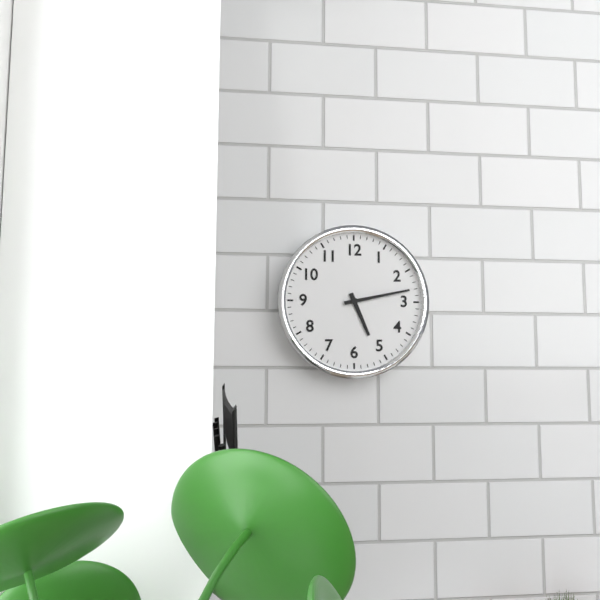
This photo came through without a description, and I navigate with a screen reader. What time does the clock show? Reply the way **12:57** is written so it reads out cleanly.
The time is **5:13**
